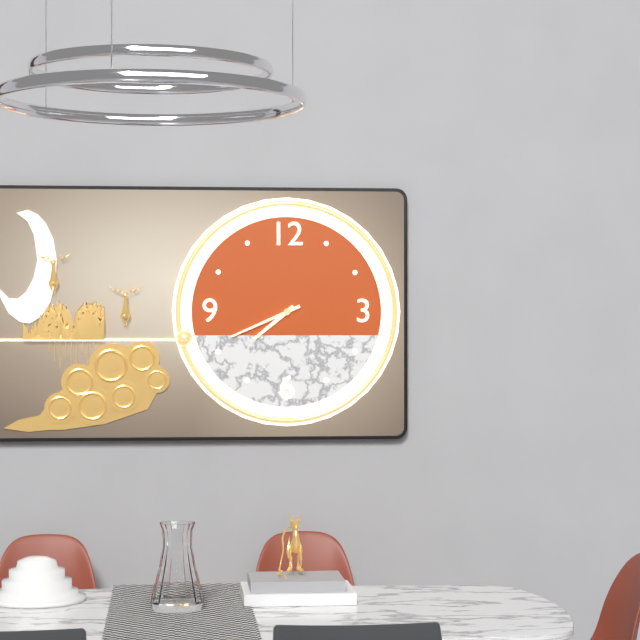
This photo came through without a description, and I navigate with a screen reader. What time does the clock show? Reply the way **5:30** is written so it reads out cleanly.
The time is **7:41**
